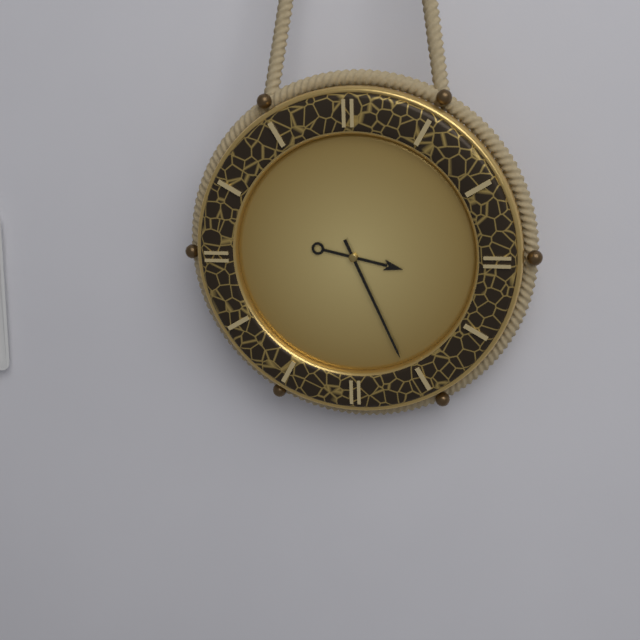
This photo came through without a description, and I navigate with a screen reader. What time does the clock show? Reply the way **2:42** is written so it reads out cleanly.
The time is **3:26**
